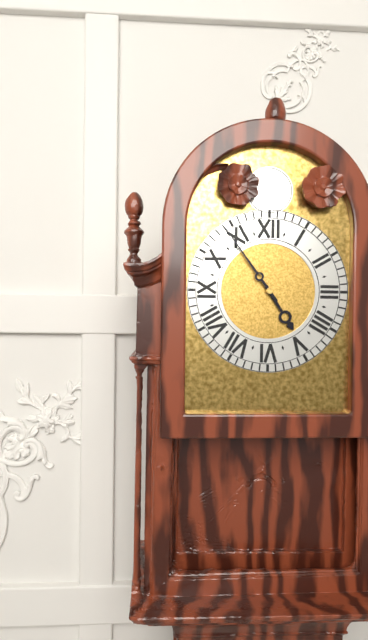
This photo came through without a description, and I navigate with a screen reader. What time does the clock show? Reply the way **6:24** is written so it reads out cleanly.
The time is **4:54**
